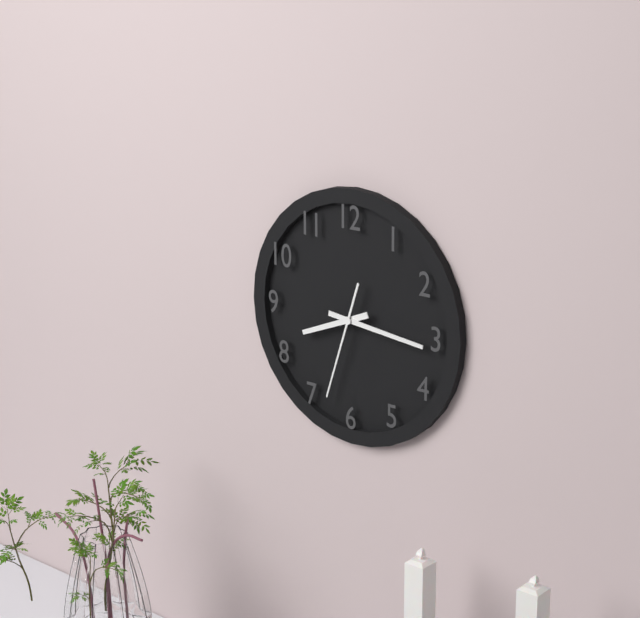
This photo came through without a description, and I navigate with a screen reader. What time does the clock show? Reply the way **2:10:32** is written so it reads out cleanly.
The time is **8:16:33**
